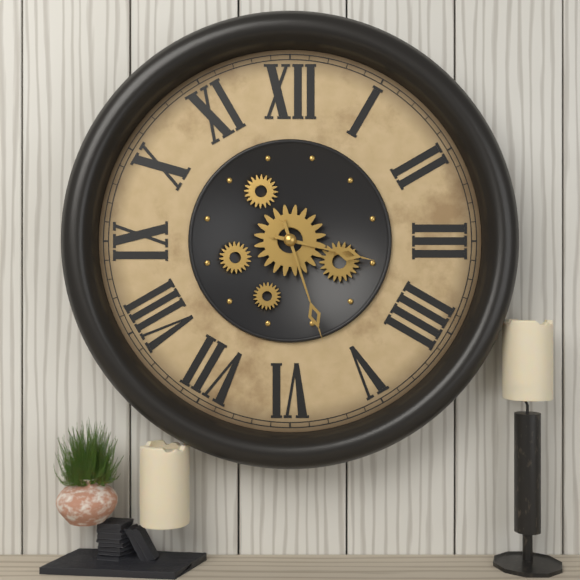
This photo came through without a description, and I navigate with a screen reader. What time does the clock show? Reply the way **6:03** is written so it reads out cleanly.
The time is **3:27**
